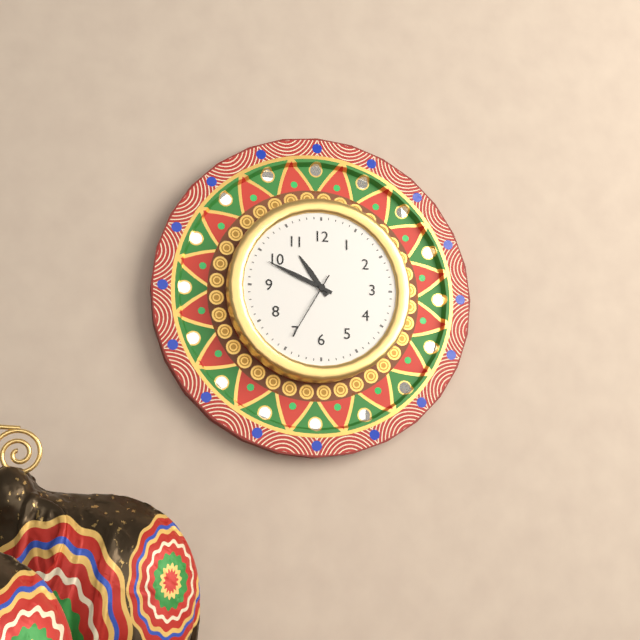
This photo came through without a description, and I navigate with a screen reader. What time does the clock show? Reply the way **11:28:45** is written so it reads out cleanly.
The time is **10:49:35**
